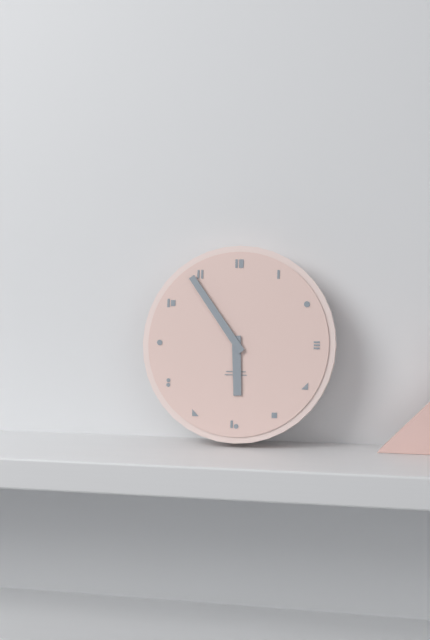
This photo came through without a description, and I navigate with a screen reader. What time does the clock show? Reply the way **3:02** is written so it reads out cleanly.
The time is **5:54**
